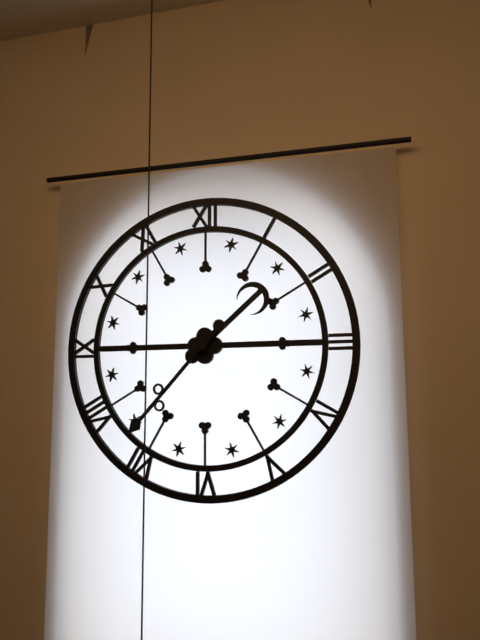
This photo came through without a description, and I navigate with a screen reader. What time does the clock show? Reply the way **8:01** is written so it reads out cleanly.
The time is **1:37**
